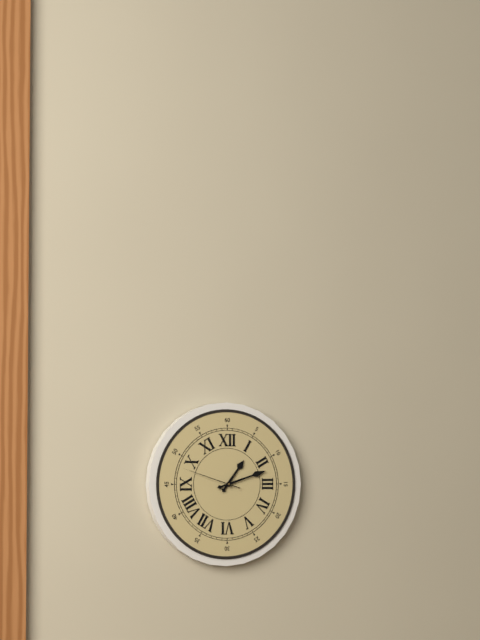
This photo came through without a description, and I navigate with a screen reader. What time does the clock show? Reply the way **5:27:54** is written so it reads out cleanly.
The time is **1:12:48**
